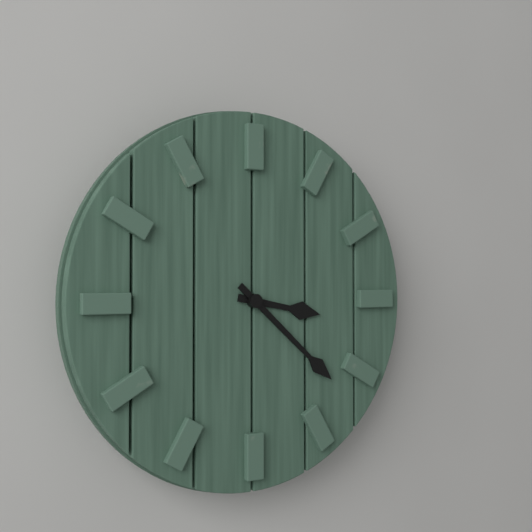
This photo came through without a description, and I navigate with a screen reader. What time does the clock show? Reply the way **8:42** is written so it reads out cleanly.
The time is **3:22**
